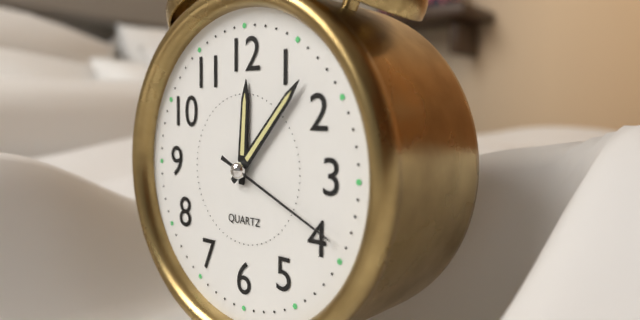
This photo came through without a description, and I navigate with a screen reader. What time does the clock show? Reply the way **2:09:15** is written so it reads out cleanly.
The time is **12:07:19**
